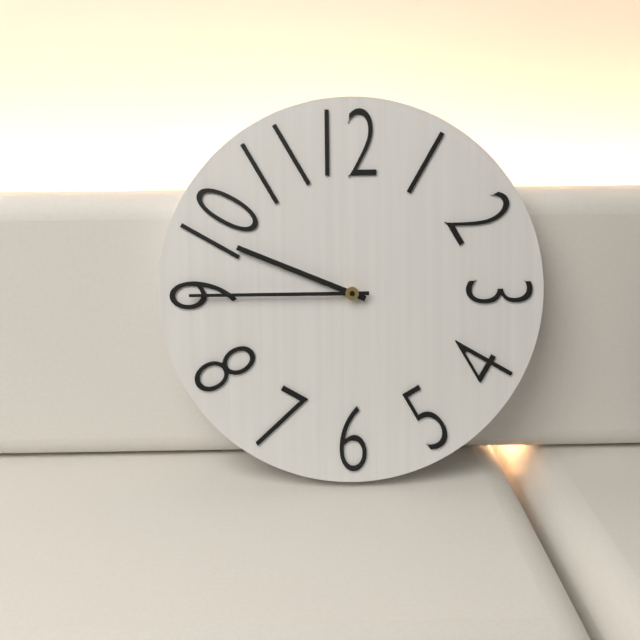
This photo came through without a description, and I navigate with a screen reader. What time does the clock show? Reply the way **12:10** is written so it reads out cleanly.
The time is **9:45**
